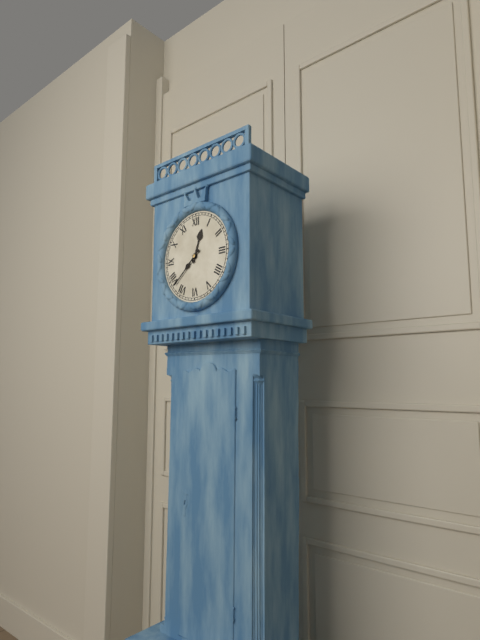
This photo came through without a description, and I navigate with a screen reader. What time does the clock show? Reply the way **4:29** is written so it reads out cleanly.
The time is **12:38**
